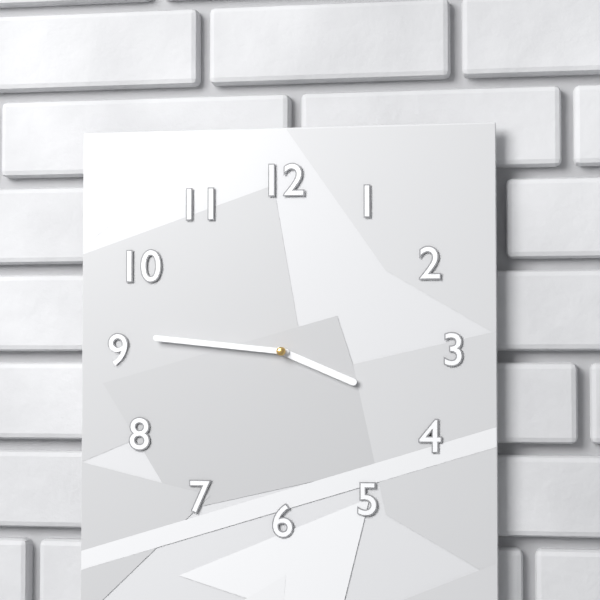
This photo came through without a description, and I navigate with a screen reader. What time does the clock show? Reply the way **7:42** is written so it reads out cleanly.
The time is **3:46**
